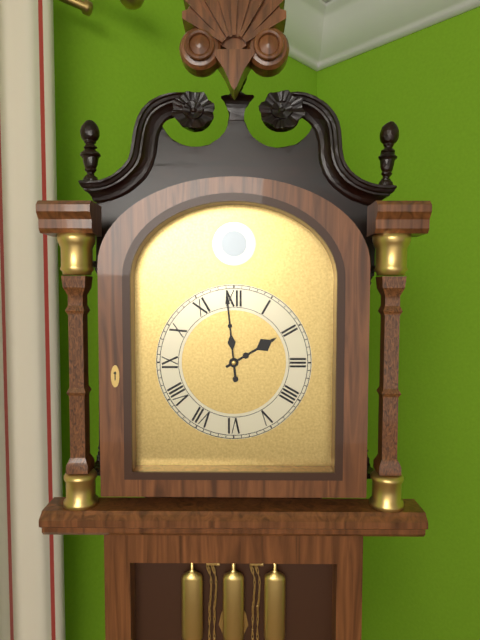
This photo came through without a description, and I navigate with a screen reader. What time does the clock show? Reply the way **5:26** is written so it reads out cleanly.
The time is **1:59**
